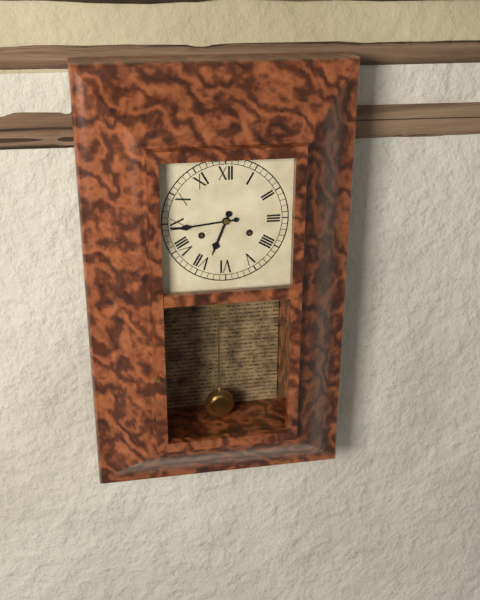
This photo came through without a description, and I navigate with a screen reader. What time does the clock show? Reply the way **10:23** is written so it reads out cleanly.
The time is **6:44**
